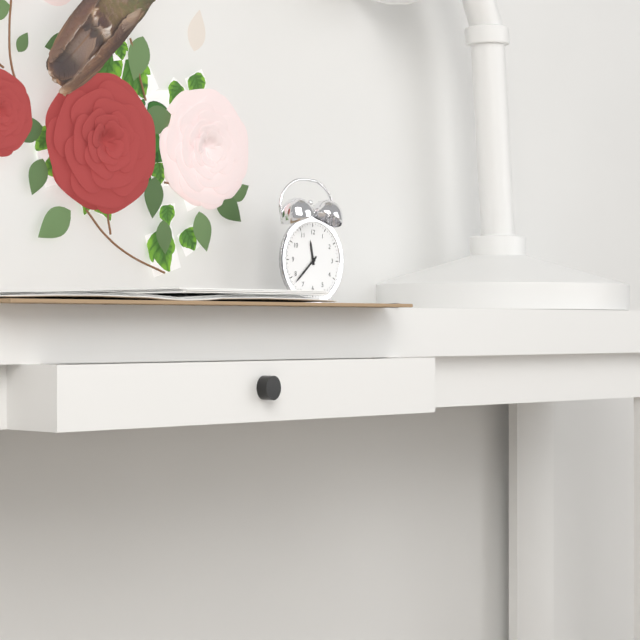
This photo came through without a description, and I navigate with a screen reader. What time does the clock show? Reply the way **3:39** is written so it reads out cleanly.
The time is **11:38**
